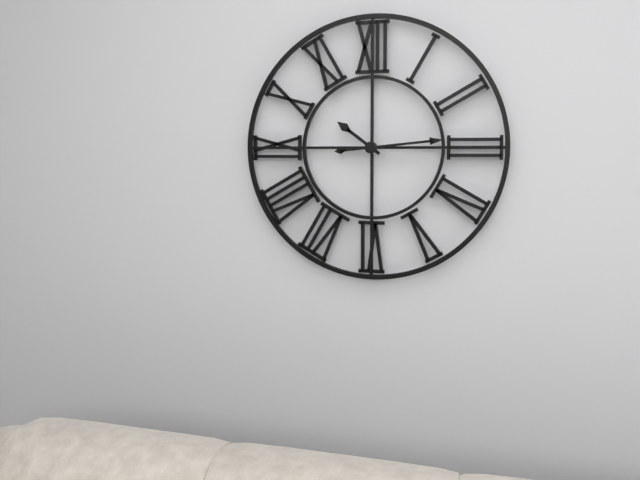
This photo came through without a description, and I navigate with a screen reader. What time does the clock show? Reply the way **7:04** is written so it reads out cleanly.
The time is **10:14**
